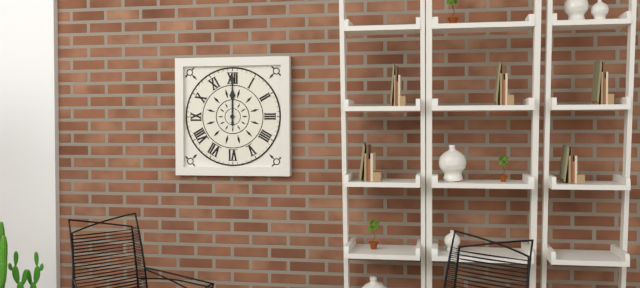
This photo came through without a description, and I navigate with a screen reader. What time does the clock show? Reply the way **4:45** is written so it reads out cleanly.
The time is **12:00**
